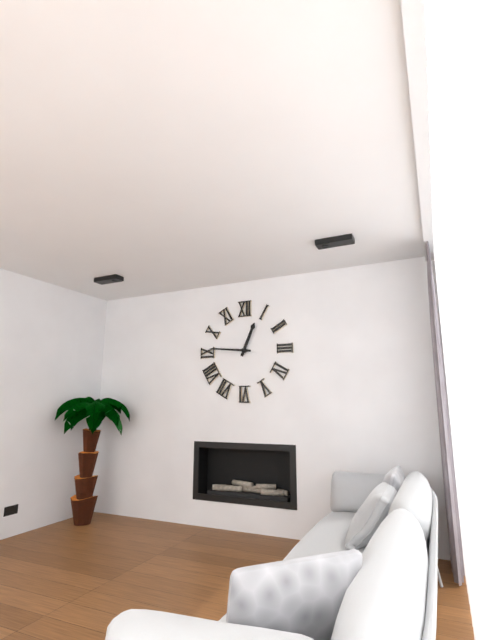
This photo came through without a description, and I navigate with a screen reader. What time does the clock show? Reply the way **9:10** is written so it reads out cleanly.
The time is **12:46**
